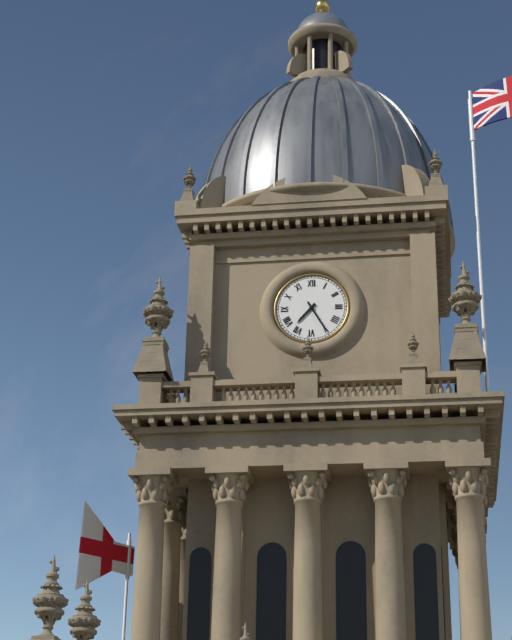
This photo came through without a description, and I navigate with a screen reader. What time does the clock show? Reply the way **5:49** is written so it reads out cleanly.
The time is **7:25**
